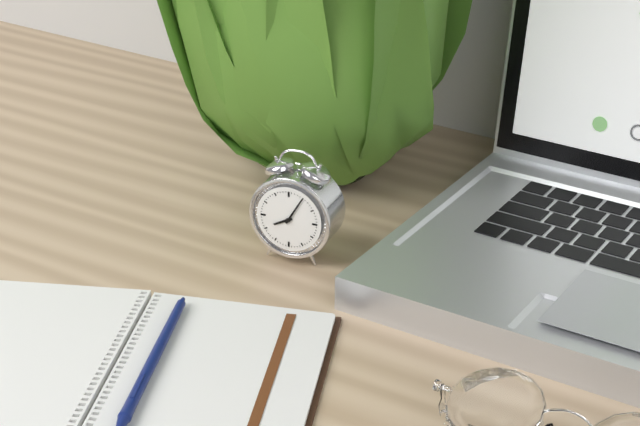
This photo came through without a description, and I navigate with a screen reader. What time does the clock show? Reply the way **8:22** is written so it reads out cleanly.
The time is **8:05**
